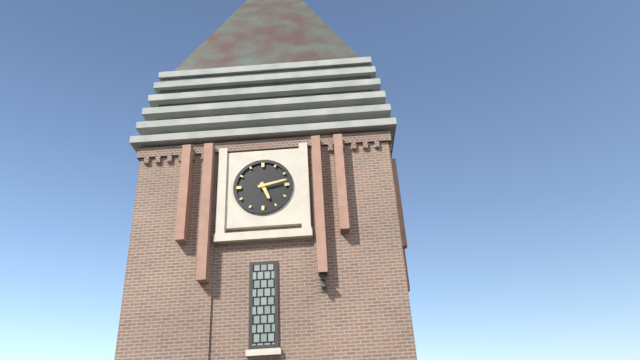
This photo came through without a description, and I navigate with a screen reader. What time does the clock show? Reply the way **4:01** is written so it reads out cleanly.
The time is **5:13**
